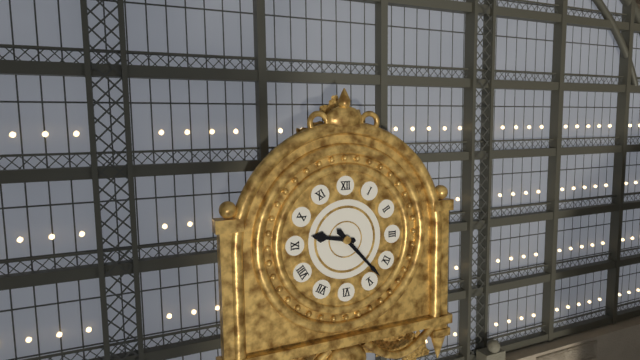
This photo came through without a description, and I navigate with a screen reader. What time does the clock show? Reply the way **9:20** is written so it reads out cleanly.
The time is **9:23**
